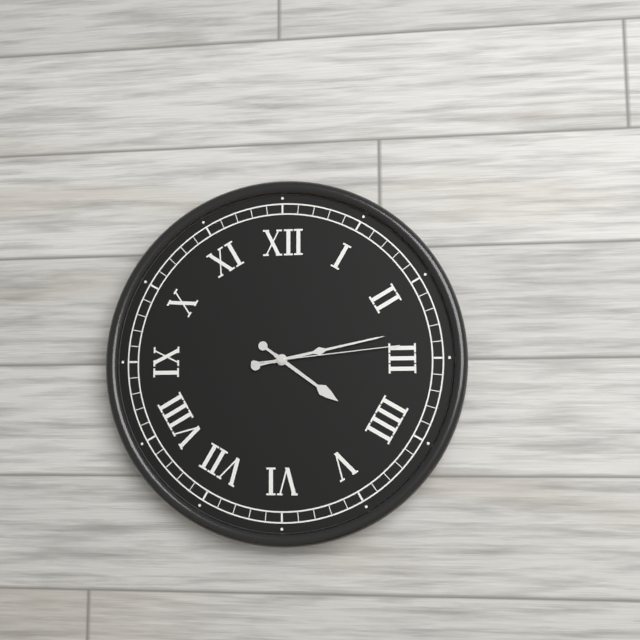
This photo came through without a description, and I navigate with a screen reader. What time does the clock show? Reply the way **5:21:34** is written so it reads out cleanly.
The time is **4:13:14**
